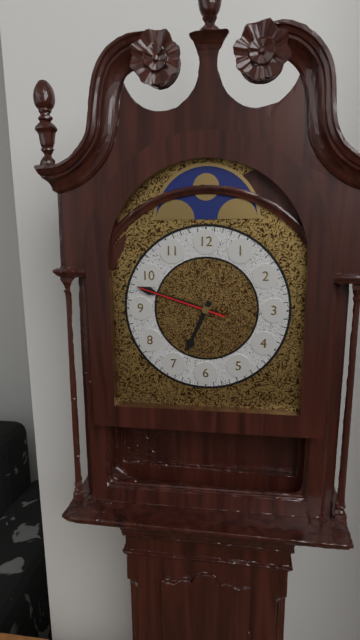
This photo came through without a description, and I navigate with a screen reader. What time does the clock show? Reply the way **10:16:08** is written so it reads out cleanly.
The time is **6:48:48**
